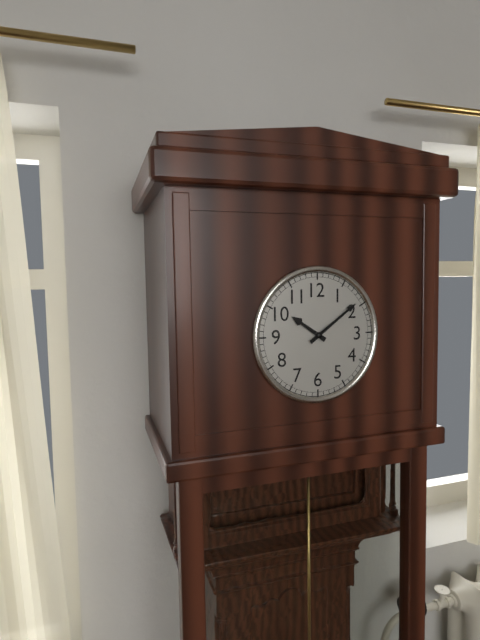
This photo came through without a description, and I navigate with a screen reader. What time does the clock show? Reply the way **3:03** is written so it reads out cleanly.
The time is **10:09**
